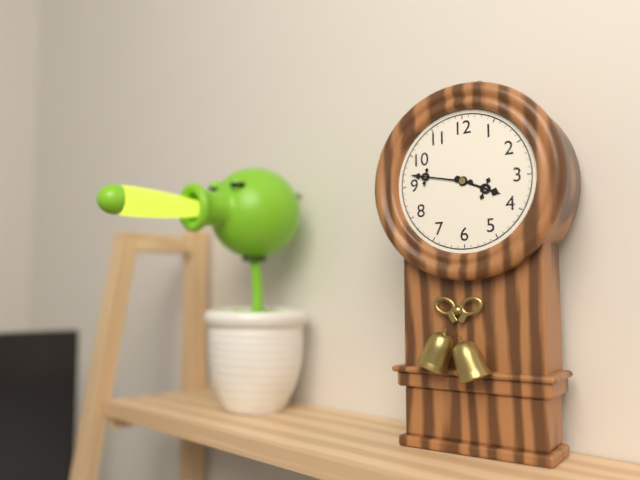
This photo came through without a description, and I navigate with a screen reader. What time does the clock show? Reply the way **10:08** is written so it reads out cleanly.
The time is **3:47**
